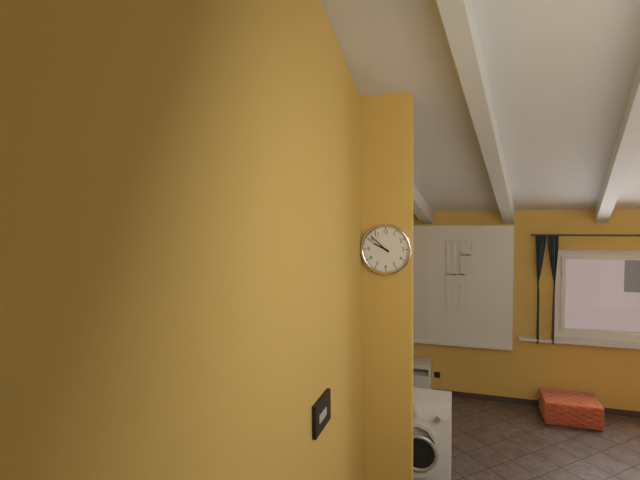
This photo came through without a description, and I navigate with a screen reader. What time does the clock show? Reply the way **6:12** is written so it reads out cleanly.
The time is **9:52**
